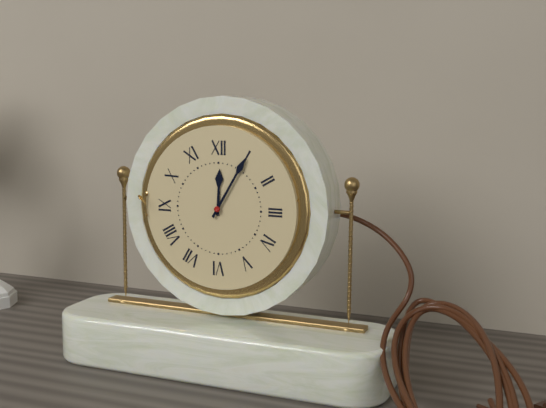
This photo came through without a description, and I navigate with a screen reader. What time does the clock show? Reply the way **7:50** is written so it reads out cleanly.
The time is **12:05**
